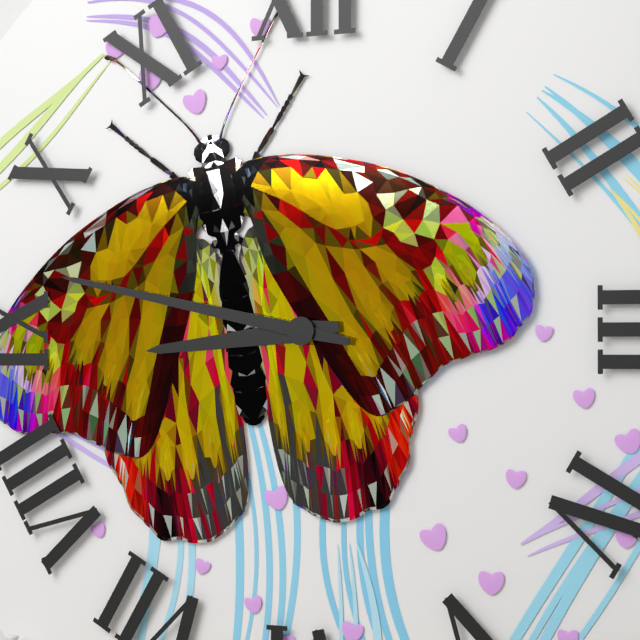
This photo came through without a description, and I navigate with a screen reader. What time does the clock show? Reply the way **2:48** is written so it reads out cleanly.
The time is **8:47**
